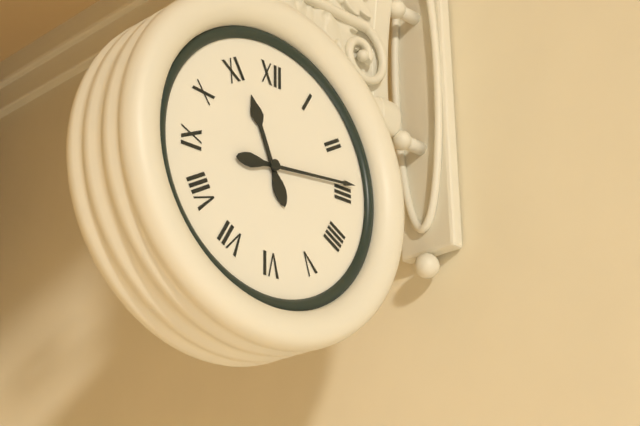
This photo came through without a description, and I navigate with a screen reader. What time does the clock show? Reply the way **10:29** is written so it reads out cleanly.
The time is **11:14**
